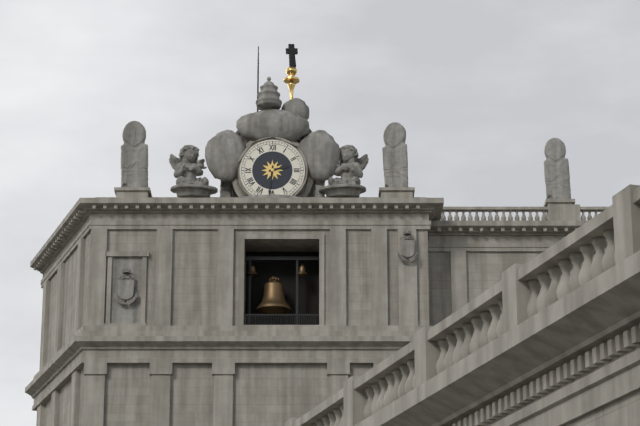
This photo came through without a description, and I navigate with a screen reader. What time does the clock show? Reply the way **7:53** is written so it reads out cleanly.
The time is **2:31**
